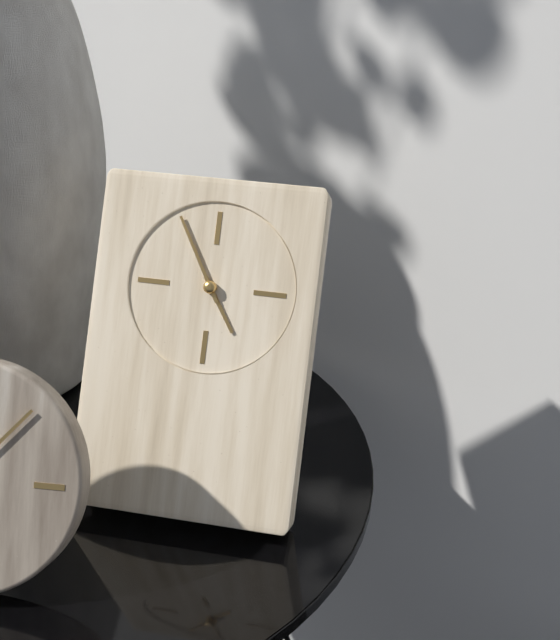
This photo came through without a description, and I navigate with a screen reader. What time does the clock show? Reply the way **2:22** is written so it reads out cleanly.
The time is **4:55**
